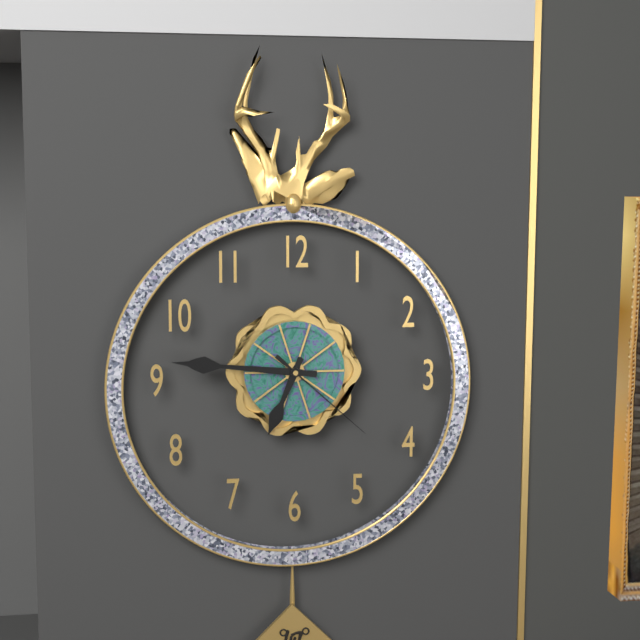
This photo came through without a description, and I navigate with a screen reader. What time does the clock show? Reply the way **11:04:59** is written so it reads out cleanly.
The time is **6:46:22**
